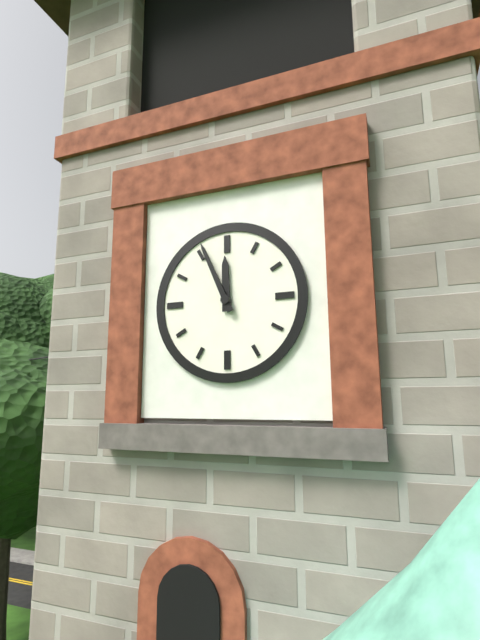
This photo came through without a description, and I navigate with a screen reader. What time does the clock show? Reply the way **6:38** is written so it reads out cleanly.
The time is **11:56**
